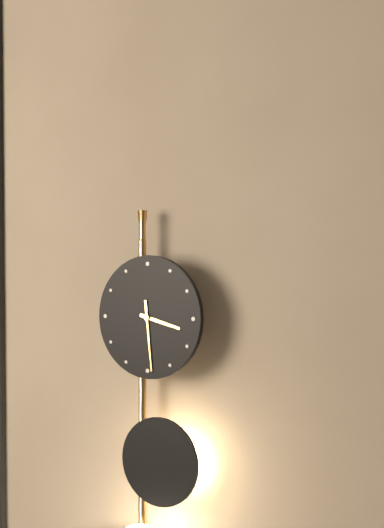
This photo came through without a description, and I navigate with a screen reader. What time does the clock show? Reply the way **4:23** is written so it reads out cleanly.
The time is **3:29**
